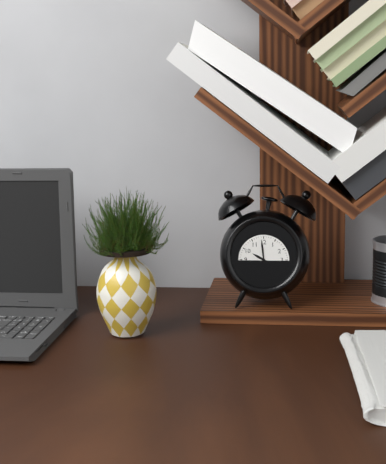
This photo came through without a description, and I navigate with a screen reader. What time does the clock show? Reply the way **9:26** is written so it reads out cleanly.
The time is **9:59**
